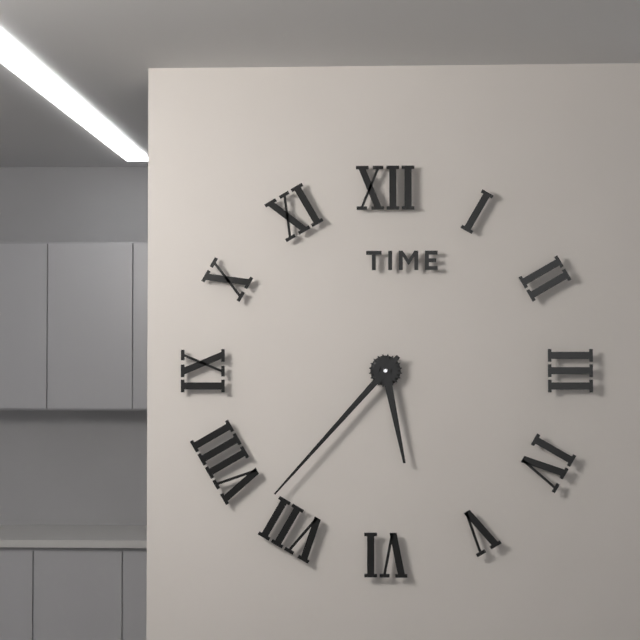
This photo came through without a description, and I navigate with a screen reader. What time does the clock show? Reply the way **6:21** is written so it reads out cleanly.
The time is **5:37**
